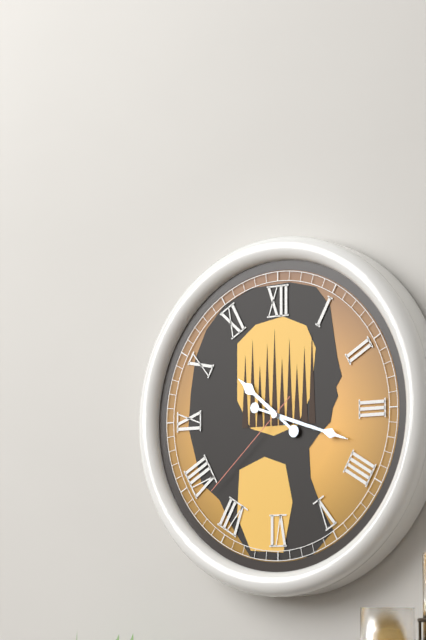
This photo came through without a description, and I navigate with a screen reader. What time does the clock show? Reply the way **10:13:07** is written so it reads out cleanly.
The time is **10:18:38**
